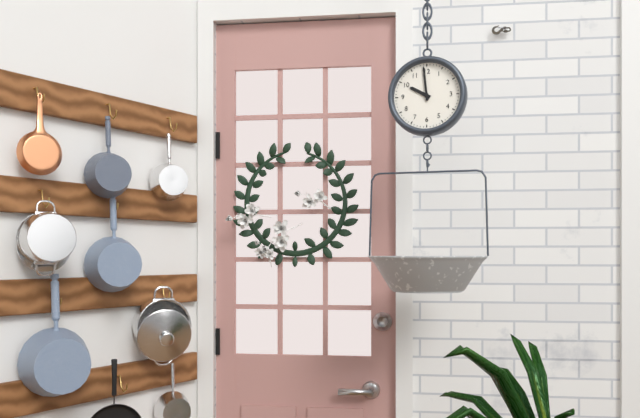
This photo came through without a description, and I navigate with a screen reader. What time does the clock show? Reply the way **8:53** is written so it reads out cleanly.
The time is **9:59**
